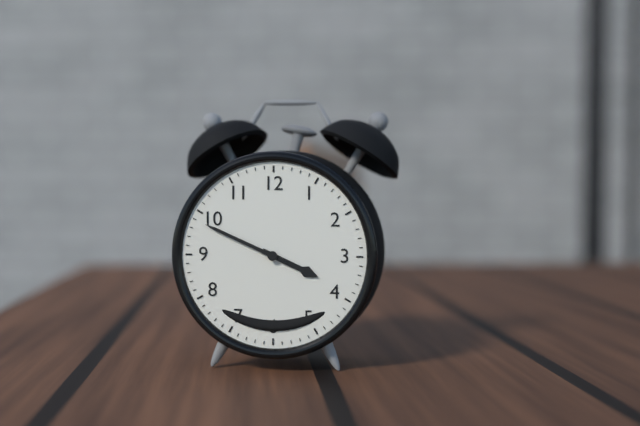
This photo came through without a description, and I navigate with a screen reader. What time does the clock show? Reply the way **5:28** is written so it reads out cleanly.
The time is **3:49**
